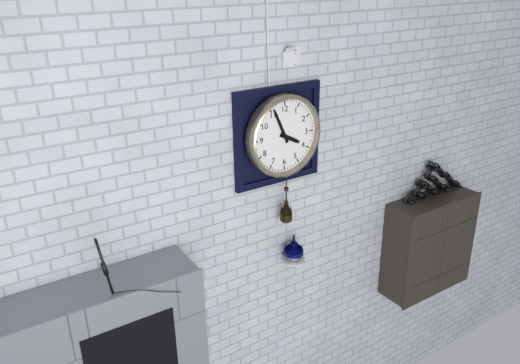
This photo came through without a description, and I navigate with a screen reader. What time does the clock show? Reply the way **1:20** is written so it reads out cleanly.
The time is **3:56**
